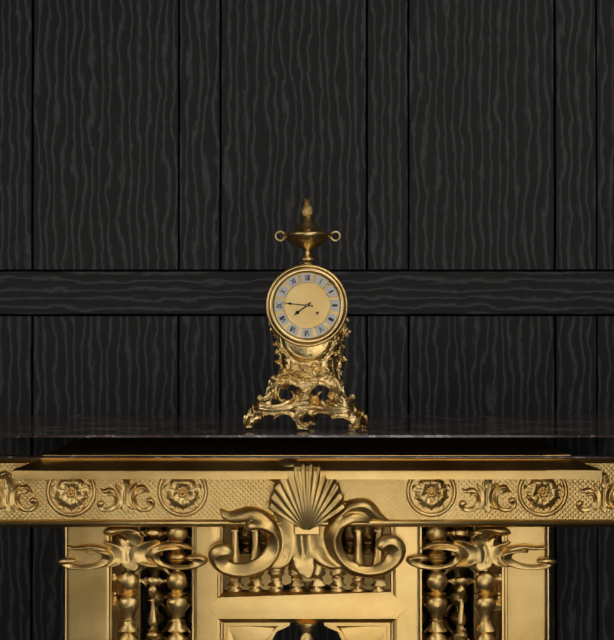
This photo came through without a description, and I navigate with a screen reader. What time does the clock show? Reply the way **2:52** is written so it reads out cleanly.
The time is **7:46**
